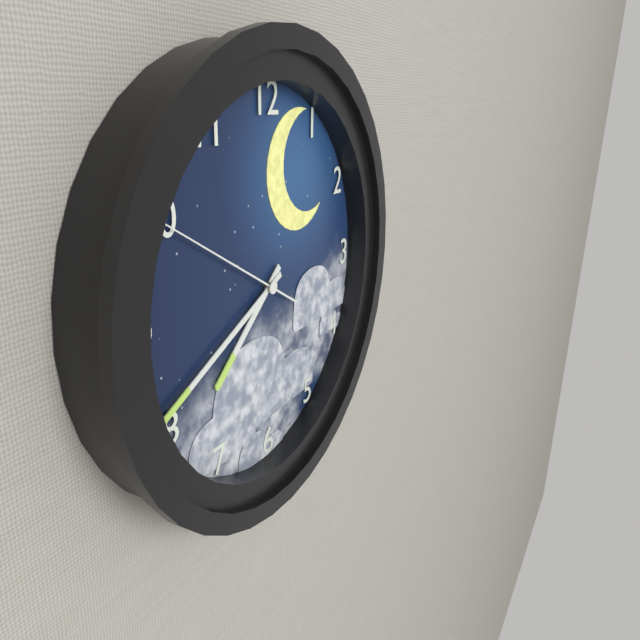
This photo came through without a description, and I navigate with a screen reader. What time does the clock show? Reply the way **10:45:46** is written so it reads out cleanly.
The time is **7:41:50**
